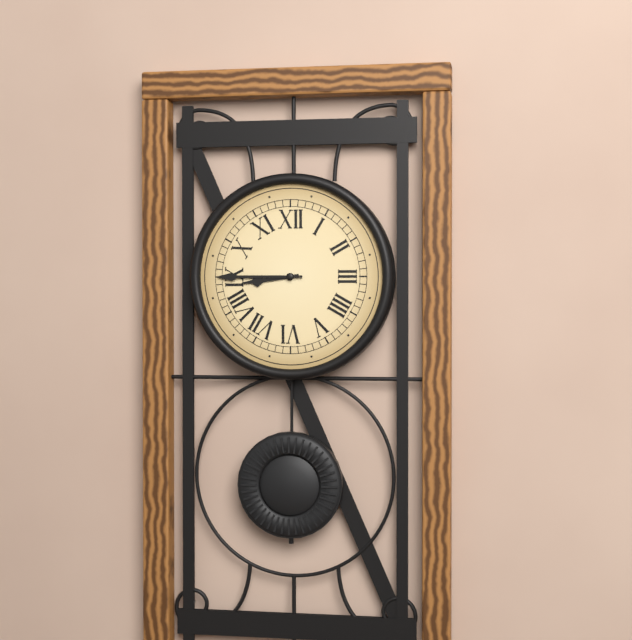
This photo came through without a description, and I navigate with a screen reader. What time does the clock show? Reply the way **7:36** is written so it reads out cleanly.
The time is **8:45**
